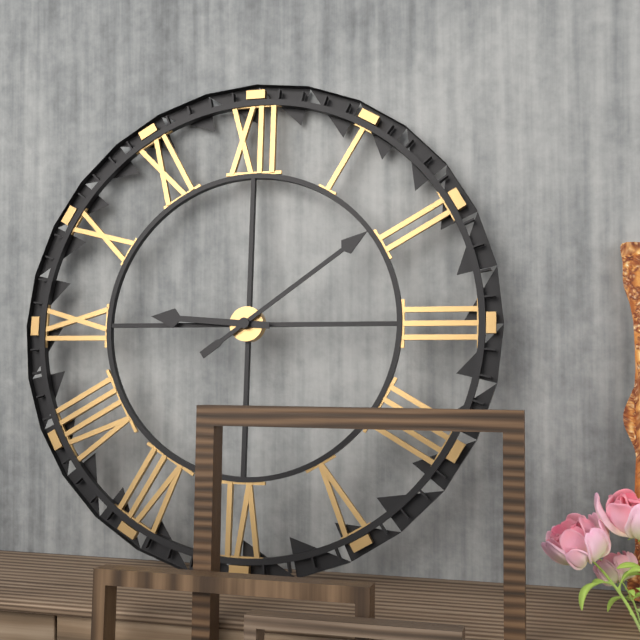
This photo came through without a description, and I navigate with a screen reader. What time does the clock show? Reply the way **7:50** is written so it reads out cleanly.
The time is **9:09**
